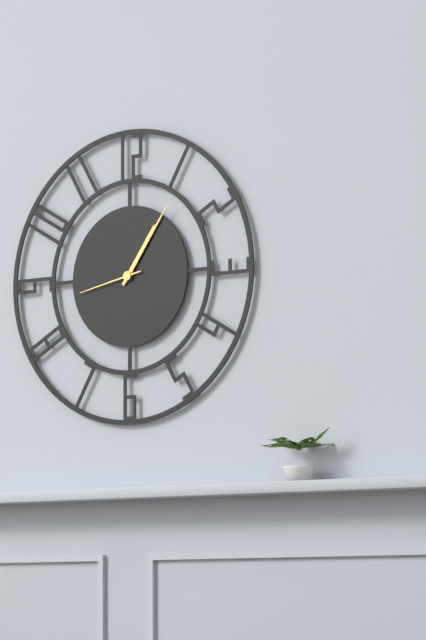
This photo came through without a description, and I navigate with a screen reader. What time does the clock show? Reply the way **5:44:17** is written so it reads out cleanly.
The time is **1:06:43**
